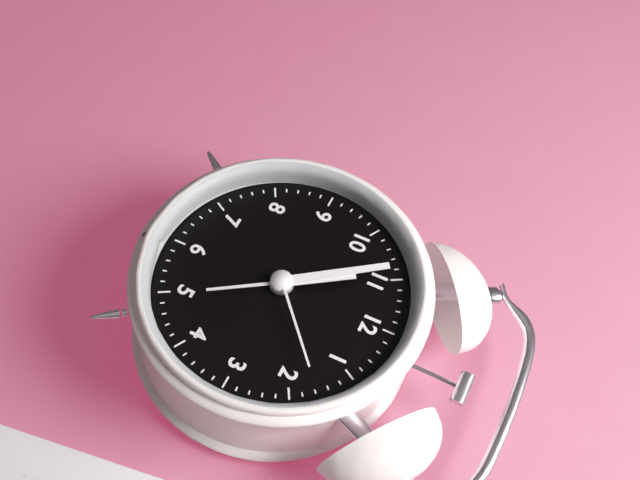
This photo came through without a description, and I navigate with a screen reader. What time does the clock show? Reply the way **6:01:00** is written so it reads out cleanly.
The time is **10:54:08**
